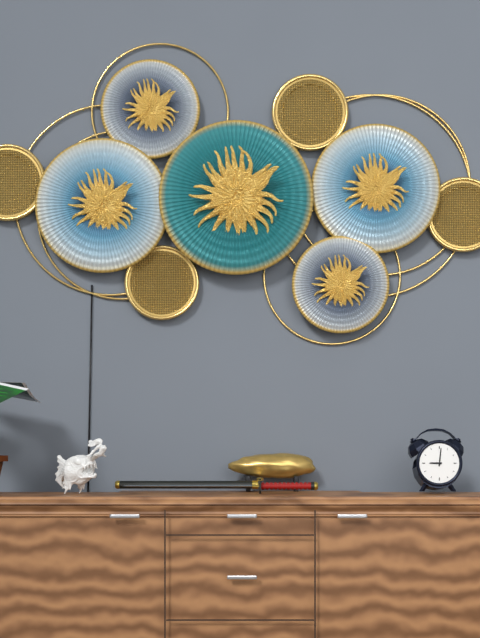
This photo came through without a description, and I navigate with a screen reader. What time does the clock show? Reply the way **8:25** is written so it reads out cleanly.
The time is **9:01**
